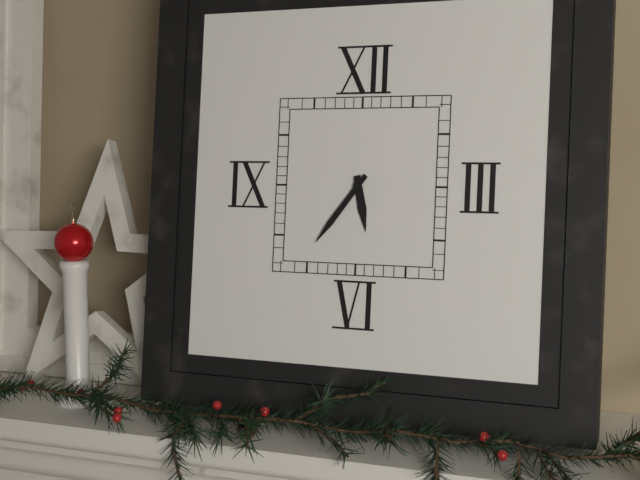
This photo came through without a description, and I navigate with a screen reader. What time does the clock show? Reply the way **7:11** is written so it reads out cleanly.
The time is **5:36**
